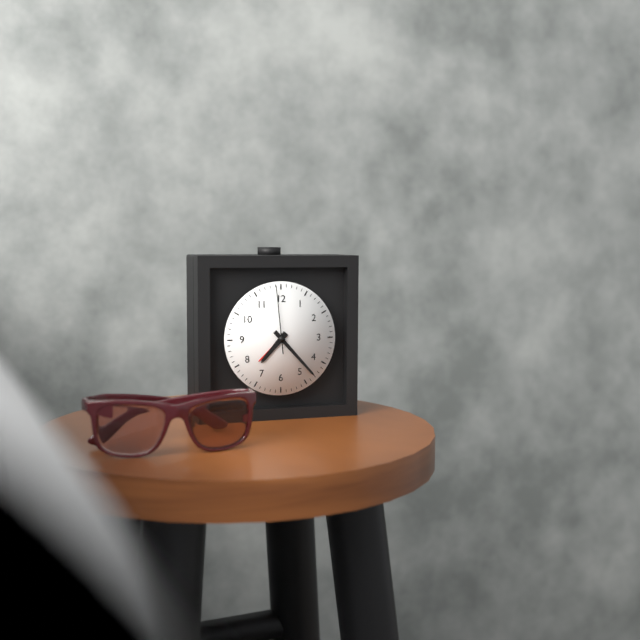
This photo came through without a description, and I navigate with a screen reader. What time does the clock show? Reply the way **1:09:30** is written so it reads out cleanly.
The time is **7:23:59**
